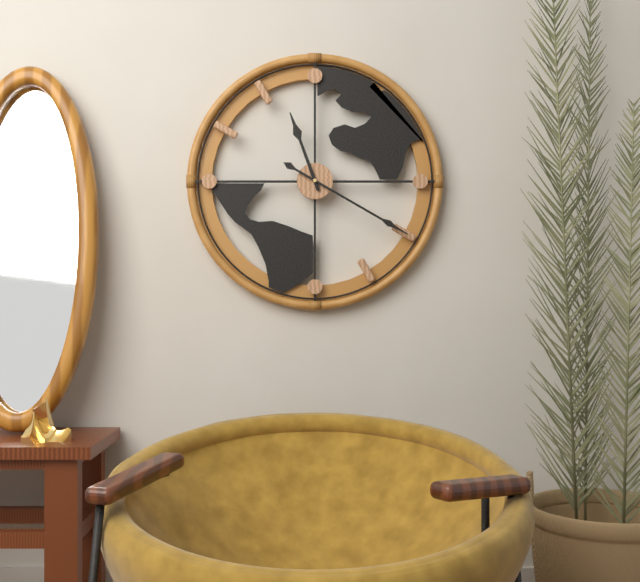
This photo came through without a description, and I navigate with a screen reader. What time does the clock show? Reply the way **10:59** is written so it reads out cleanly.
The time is **11:20**
